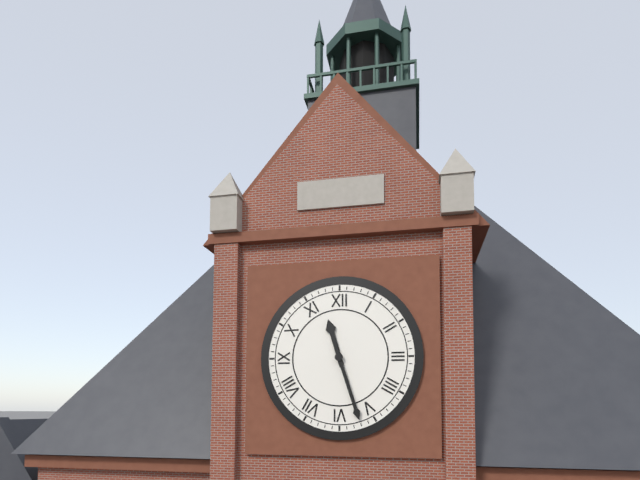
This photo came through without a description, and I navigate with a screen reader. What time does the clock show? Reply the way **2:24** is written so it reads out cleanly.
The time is **11:27**
